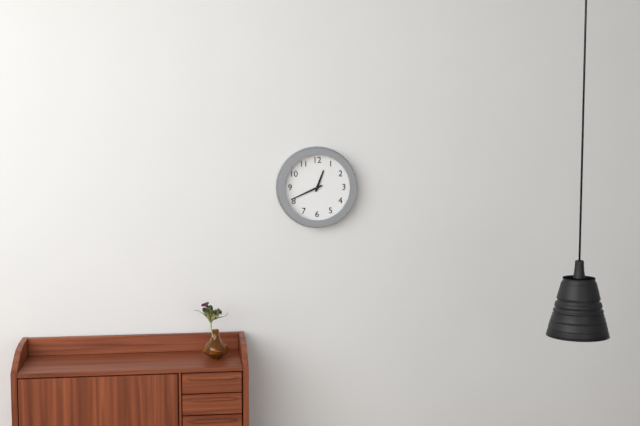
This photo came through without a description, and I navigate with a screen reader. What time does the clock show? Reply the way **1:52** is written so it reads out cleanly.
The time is **12:41**
